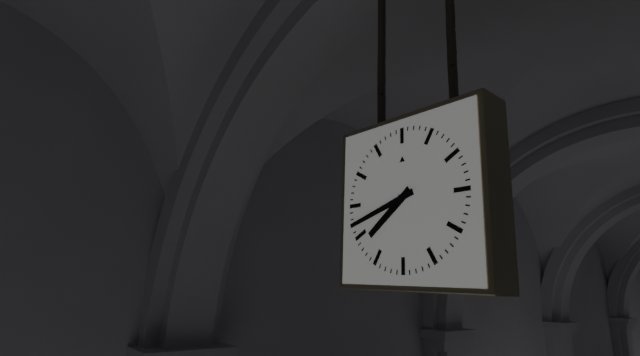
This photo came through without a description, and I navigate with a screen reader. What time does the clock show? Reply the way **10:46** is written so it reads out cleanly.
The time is **7:42**
